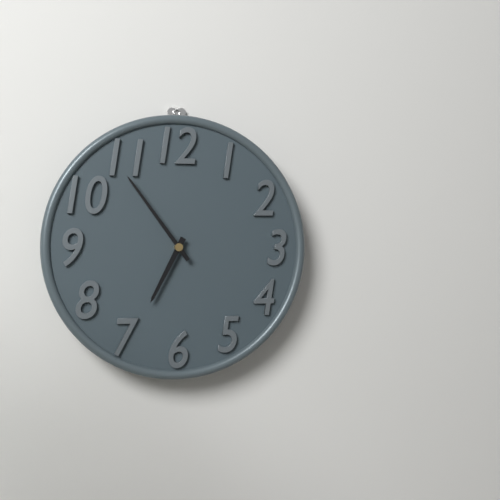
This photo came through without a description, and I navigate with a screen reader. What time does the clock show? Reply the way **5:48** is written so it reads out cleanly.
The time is **6:54**
